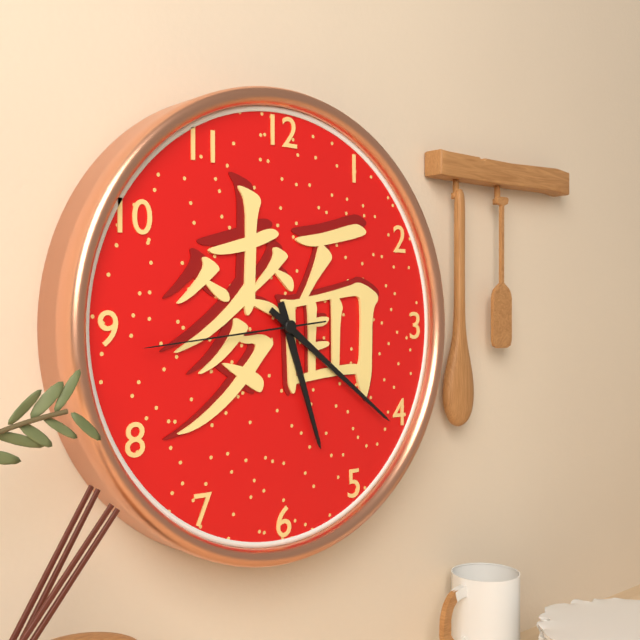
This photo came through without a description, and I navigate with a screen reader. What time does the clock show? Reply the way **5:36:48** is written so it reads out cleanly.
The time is **5:21:44**
